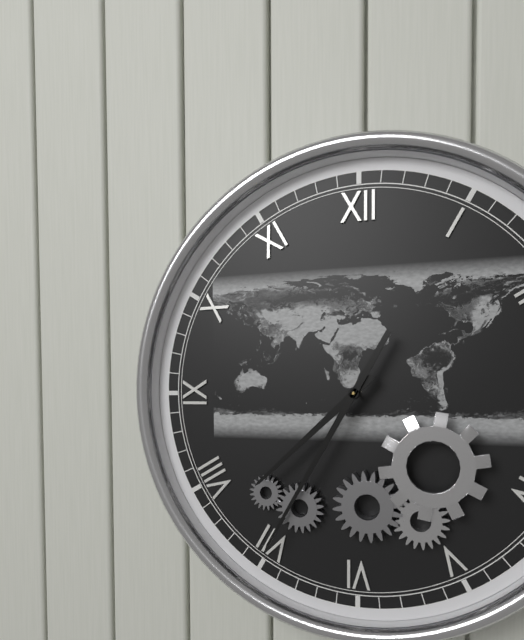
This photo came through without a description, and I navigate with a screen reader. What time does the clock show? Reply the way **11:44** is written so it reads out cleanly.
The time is **7:35**
